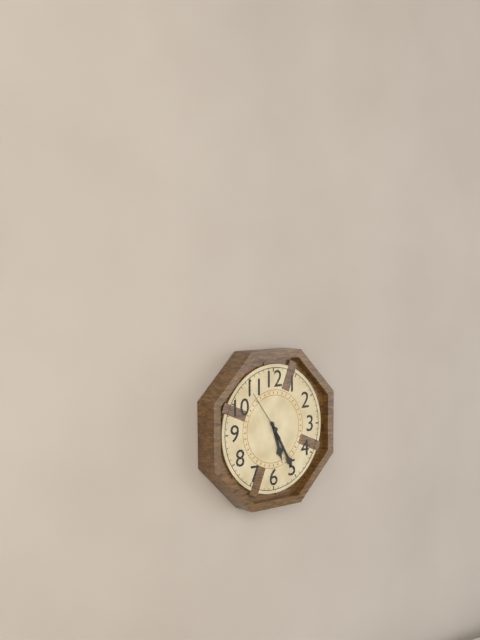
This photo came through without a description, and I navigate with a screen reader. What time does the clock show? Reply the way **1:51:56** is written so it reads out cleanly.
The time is **5:25:54**
